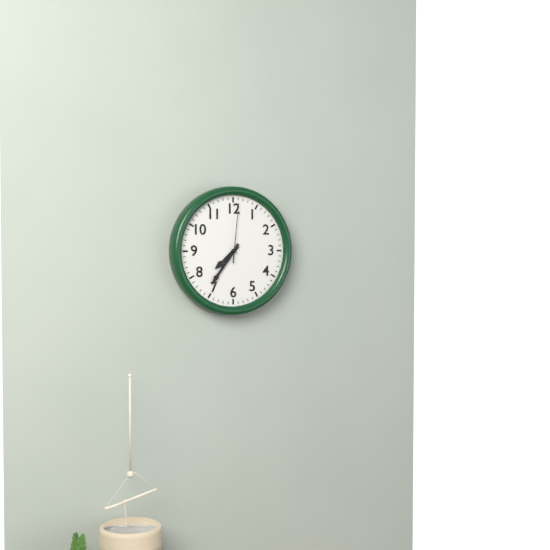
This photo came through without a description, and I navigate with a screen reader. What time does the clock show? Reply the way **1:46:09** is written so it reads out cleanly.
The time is **7:36:01**
